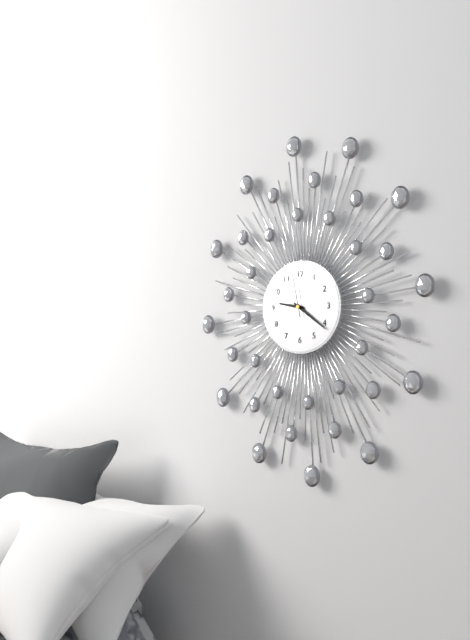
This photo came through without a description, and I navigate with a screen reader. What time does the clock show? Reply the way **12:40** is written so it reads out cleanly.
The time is **9:21**
